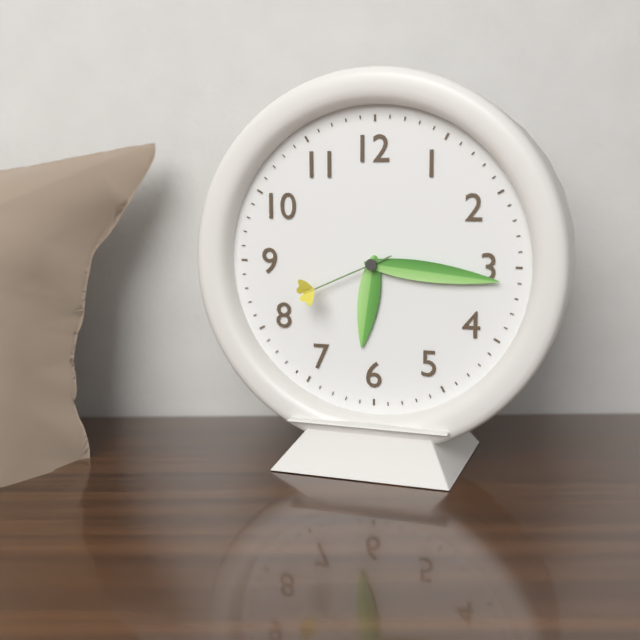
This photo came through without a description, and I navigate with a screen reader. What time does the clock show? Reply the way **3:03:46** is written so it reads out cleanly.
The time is **6:16:41**
